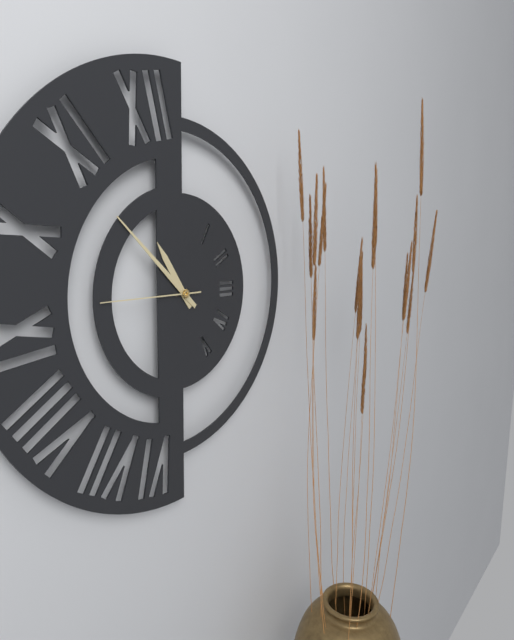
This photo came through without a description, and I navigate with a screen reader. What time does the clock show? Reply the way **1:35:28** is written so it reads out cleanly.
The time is **10:52:45**
